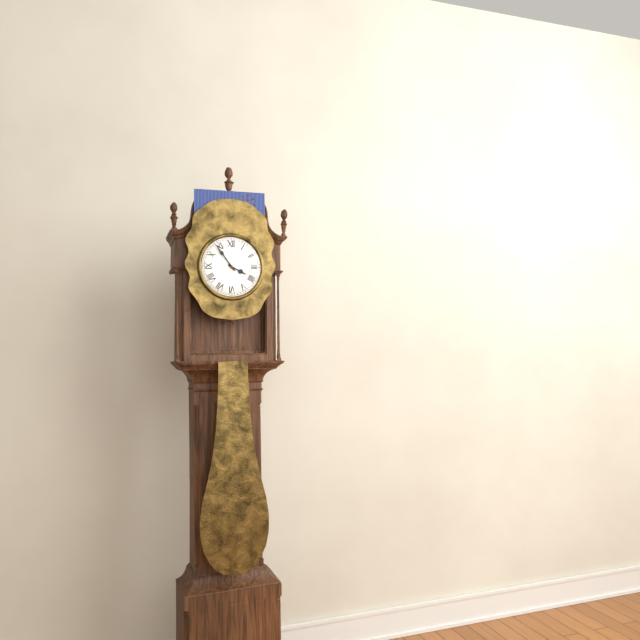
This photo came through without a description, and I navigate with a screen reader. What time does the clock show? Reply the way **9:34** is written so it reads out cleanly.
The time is **3:54**
